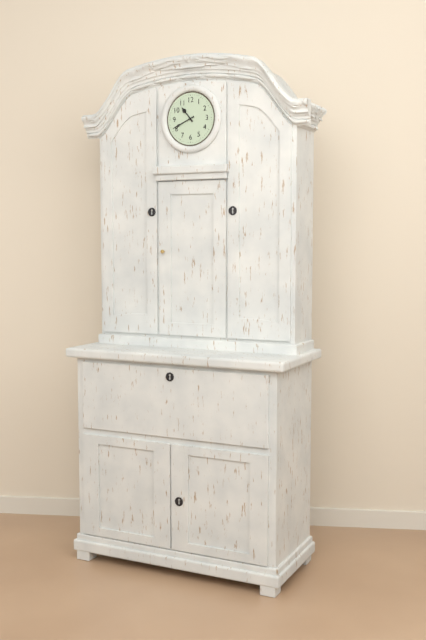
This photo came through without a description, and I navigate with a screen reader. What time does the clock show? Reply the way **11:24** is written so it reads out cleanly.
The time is **10:41**
